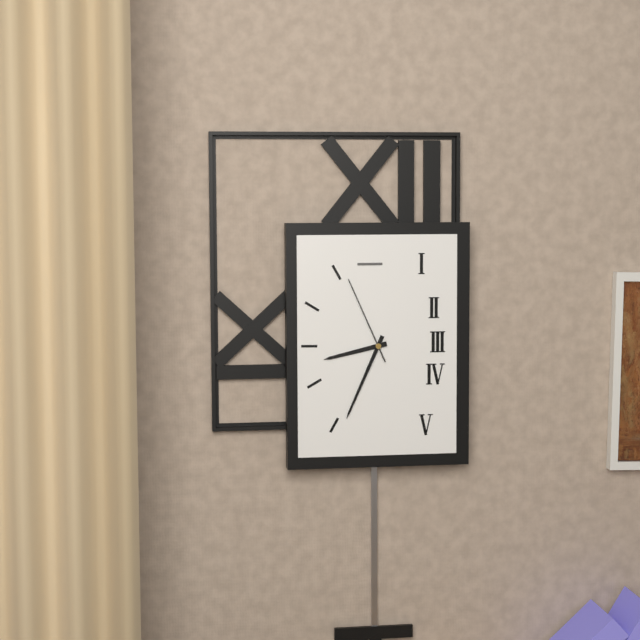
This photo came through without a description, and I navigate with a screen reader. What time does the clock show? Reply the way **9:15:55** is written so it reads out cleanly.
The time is **8:34:56**
